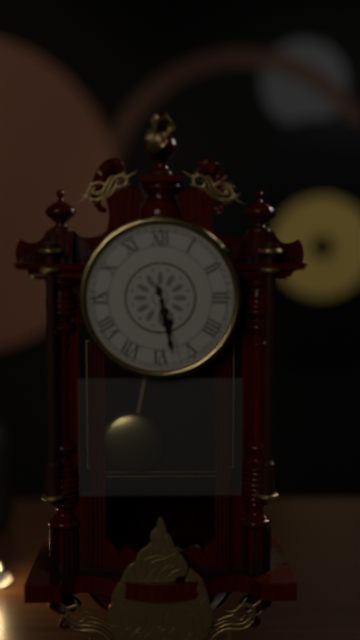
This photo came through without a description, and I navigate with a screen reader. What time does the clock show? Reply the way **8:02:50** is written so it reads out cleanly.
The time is **5:28:27**
